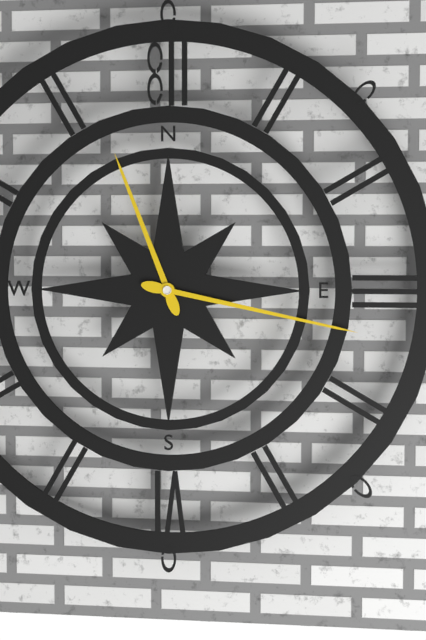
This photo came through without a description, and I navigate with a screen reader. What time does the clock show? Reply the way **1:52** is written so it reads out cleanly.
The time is **11:17**
